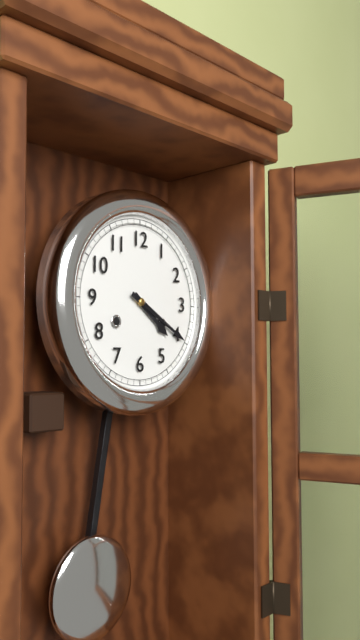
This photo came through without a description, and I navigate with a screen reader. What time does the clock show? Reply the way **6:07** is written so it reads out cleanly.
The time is **4:20**
